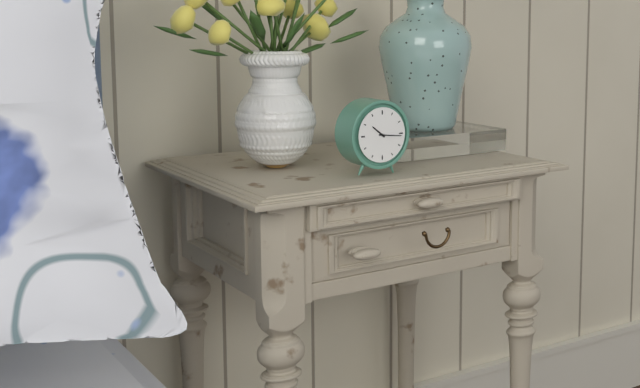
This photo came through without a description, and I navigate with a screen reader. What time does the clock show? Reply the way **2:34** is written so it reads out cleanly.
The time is **10:16**
